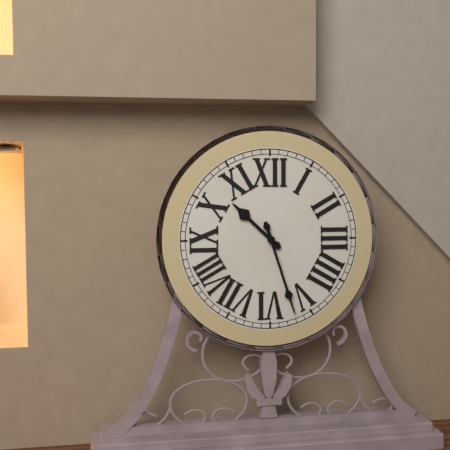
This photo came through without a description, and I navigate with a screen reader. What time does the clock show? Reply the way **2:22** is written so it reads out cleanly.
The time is **10:27**
